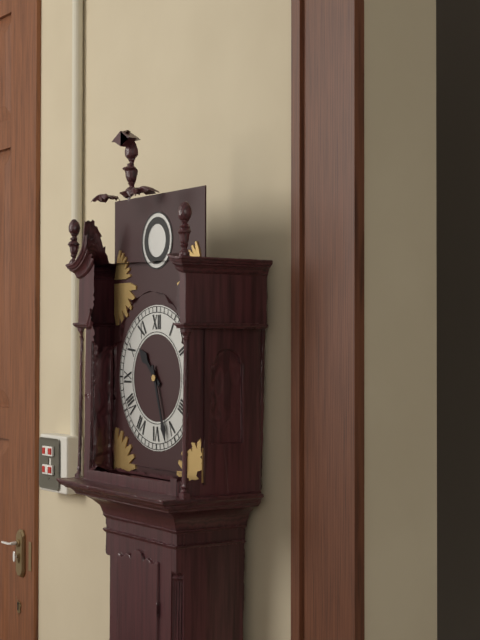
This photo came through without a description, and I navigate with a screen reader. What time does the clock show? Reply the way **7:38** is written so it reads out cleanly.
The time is **10:27**
